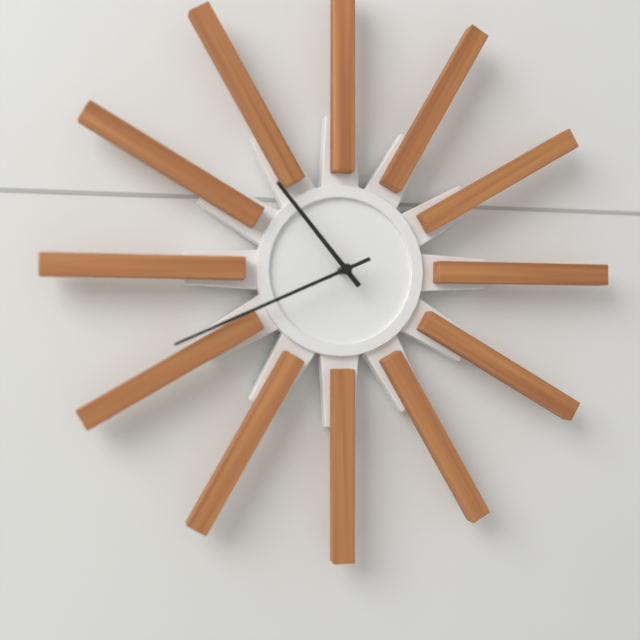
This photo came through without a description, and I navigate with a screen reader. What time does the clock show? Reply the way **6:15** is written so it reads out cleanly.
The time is **10:41**
